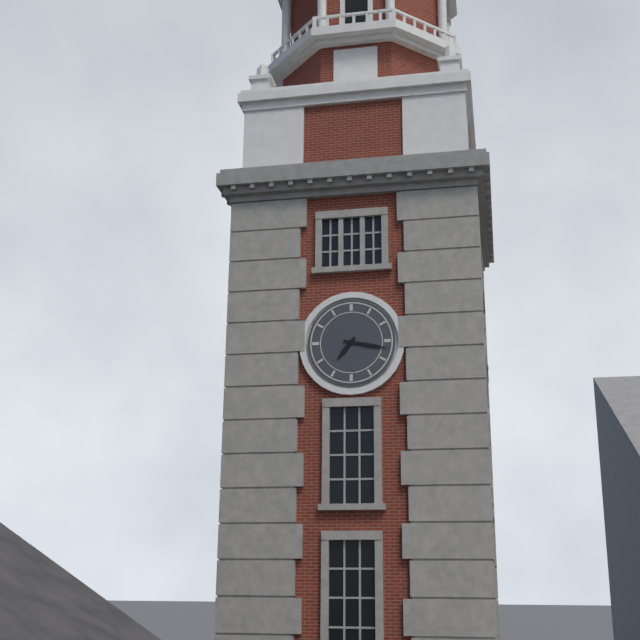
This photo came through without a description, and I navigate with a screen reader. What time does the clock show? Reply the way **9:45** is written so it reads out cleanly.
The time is **7:17**
